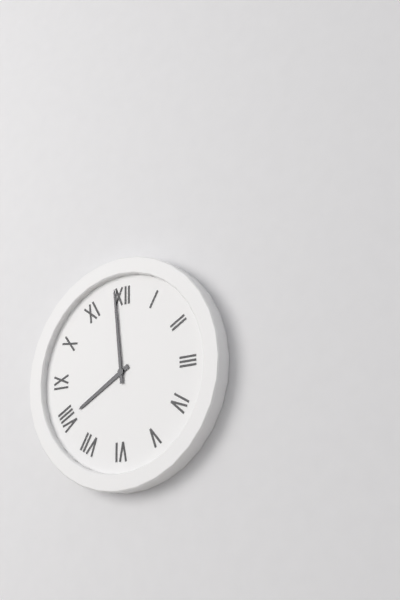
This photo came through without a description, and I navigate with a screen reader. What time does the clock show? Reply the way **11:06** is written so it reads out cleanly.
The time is **7:59**
